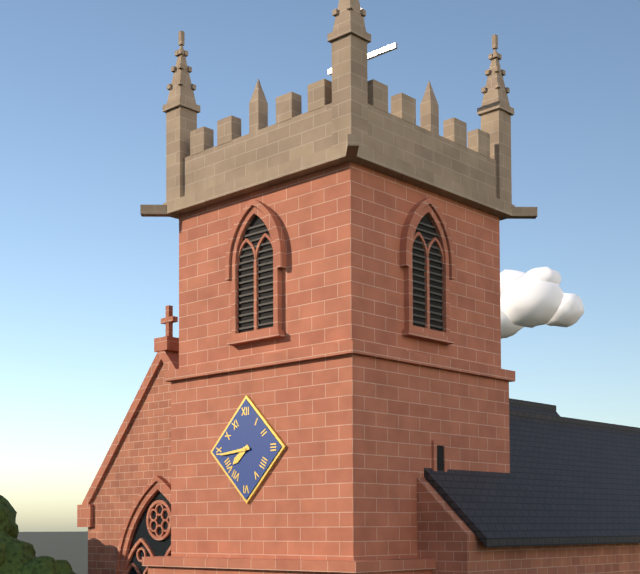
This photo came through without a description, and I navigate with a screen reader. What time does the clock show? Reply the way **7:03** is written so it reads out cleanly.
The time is **7:44**
